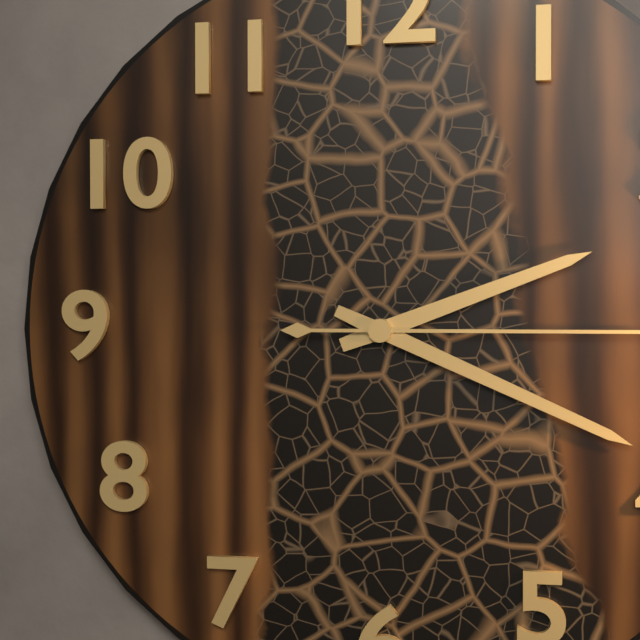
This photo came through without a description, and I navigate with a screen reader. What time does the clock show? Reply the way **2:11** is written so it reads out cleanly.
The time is **2:19**
